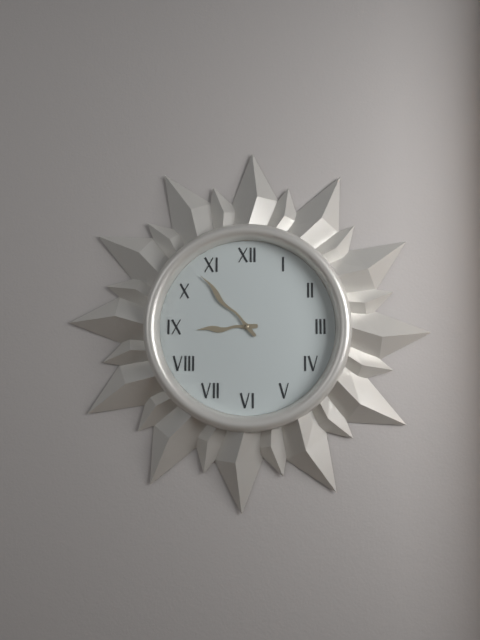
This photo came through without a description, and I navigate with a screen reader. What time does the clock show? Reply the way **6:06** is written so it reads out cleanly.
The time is **8:53**
